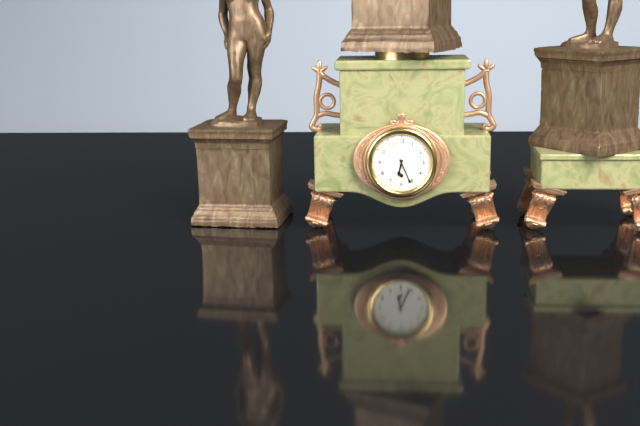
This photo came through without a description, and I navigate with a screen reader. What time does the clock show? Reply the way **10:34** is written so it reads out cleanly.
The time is **6:26**
